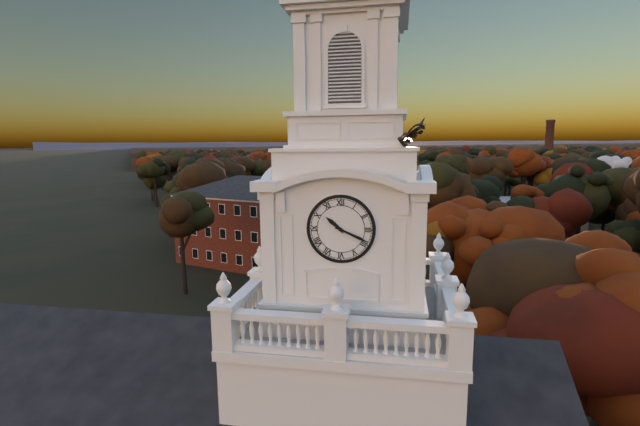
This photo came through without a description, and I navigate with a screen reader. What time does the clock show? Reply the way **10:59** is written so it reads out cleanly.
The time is **10:19**
